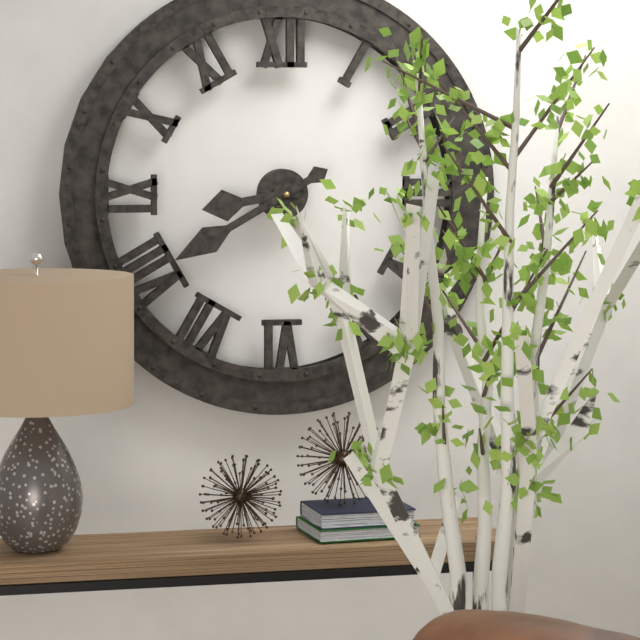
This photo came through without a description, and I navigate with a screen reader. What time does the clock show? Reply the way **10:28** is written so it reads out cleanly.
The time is **8:40**
